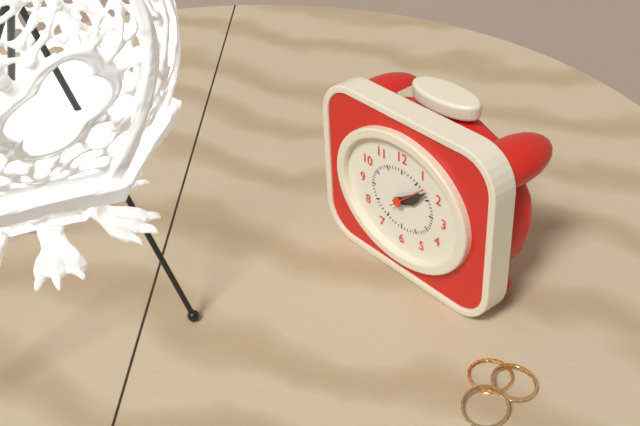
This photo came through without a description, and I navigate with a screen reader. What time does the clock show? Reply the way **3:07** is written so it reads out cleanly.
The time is **2:09**
